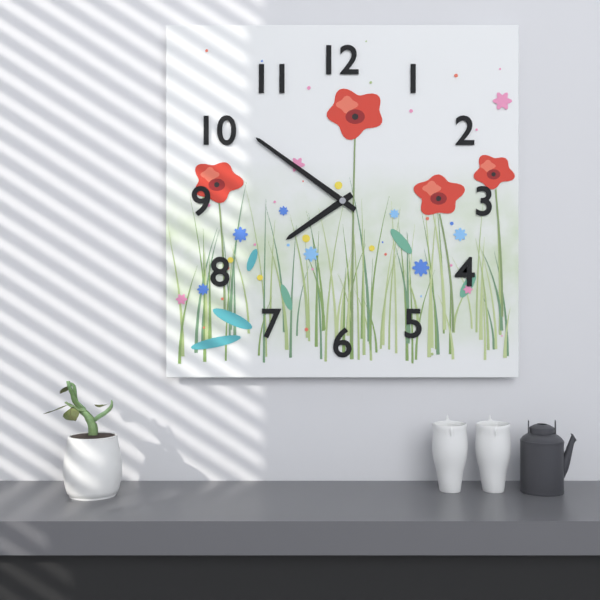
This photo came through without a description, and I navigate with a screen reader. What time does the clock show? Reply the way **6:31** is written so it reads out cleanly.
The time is **7:51**
